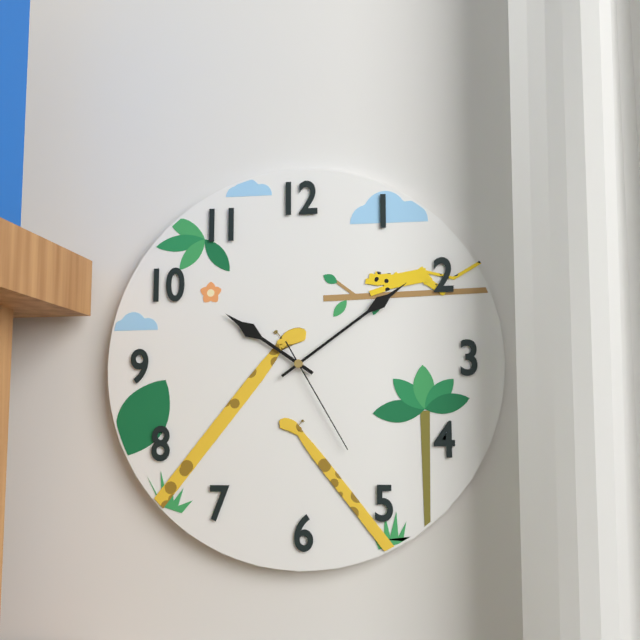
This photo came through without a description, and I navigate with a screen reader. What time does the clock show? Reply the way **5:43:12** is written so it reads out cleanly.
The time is **10:09:25**
